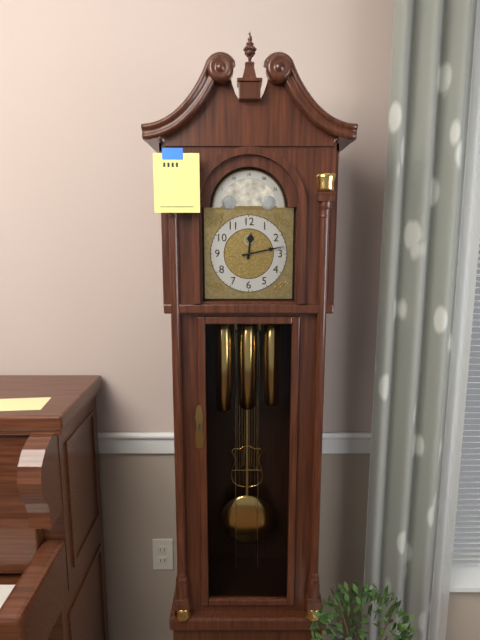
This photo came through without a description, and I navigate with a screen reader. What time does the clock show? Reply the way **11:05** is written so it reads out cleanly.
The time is **12:13**
